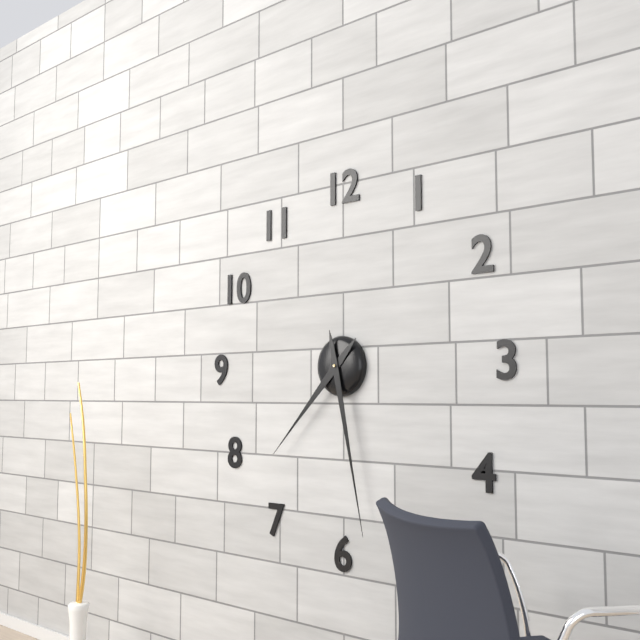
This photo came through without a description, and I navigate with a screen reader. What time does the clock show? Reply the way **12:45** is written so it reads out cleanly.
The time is **7:28**
